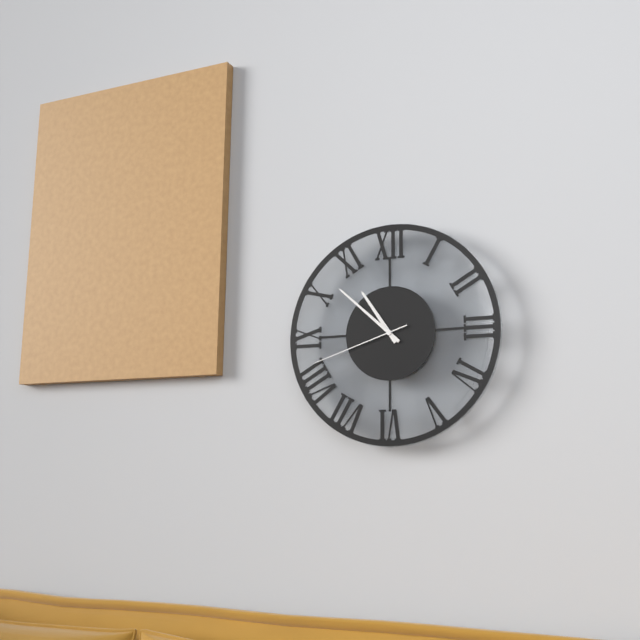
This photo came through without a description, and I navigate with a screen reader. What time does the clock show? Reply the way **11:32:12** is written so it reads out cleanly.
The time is **10:52:42**
